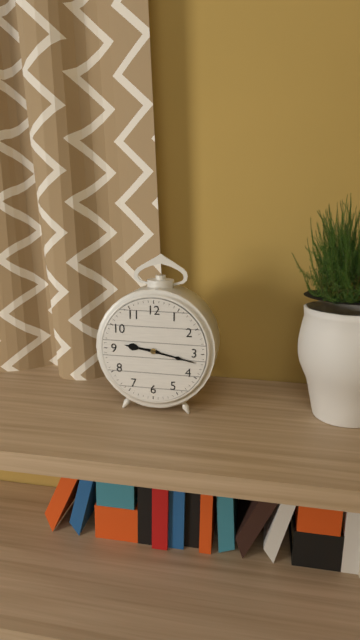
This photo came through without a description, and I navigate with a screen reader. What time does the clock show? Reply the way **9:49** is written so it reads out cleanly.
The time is **9:17**
